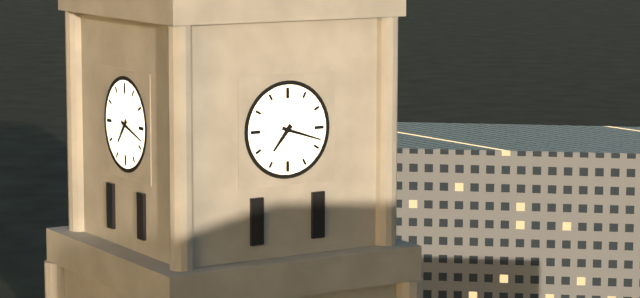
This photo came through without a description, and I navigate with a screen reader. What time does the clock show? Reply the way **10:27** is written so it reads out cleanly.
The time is **7:18**
